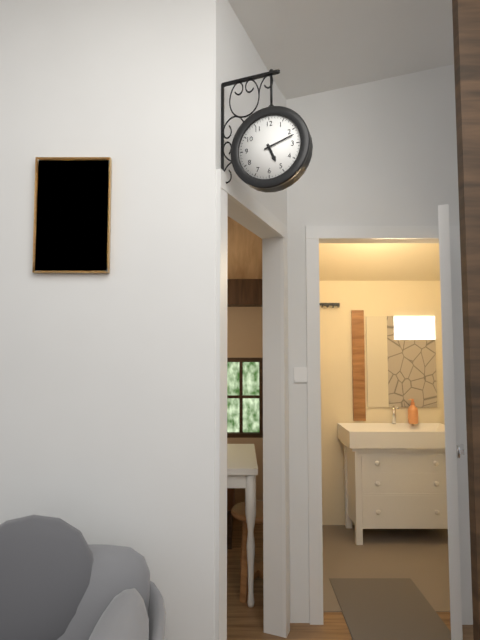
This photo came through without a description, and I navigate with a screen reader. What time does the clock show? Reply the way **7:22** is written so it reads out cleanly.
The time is **5:12**
